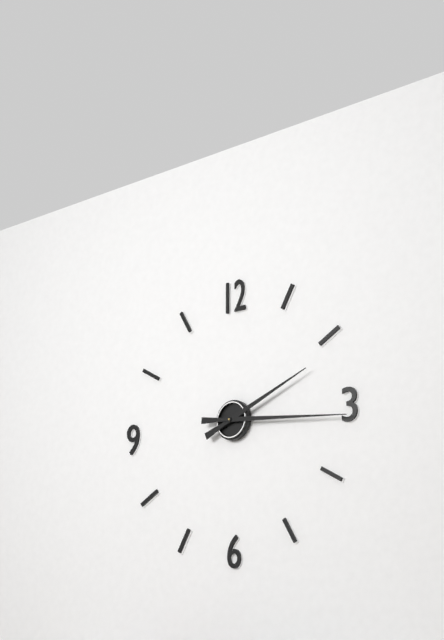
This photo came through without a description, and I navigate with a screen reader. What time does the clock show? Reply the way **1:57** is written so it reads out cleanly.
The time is **2:16**
